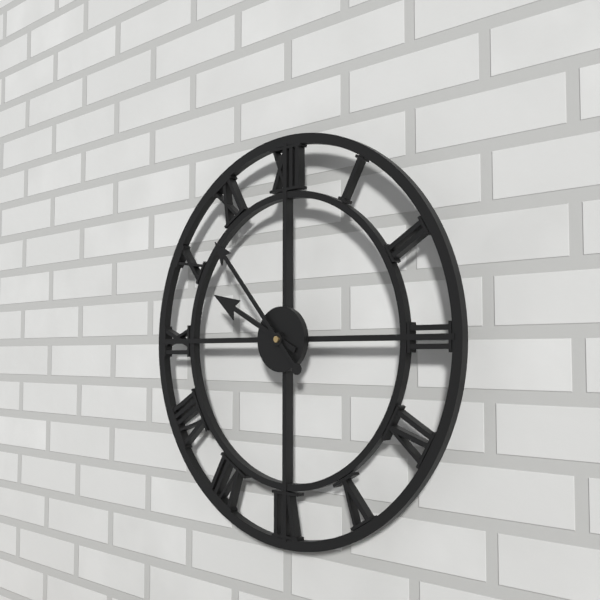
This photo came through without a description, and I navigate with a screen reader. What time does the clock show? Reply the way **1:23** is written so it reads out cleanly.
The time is **9:53**
